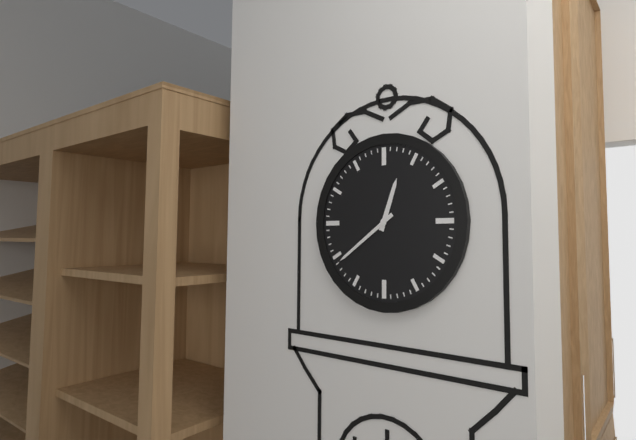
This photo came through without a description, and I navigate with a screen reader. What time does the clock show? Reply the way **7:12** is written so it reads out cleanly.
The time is **12:39**
